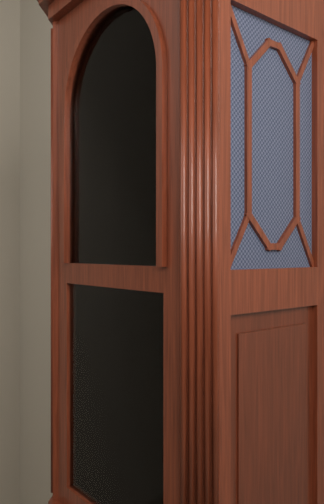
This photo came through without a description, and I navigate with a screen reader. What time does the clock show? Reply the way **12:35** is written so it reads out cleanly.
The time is **12:20**
